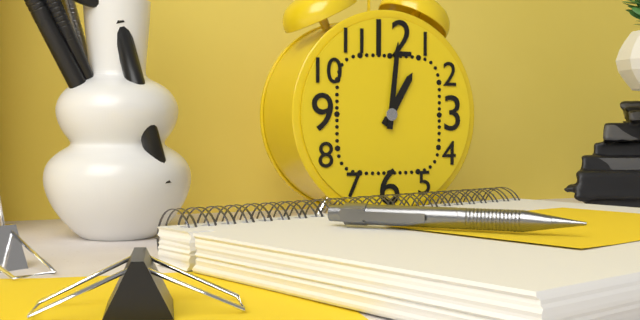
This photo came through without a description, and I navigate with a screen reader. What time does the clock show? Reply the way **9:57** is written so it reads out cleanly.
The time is **1:01**
